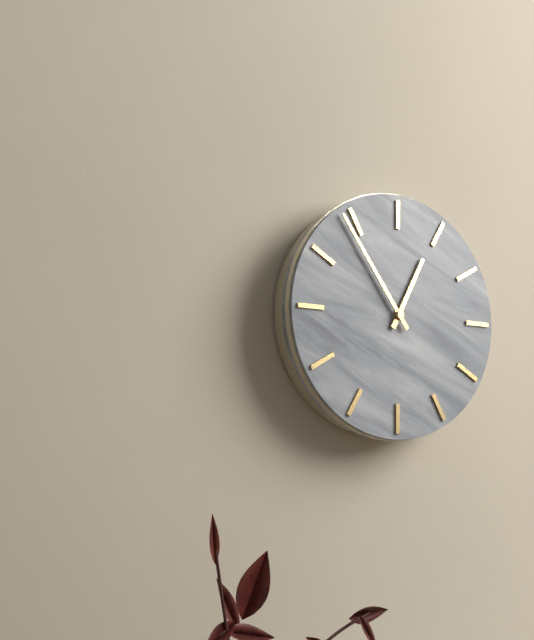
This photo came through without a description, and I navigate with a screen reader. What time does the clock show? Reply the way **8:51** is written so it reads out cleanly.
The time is **12:54**
